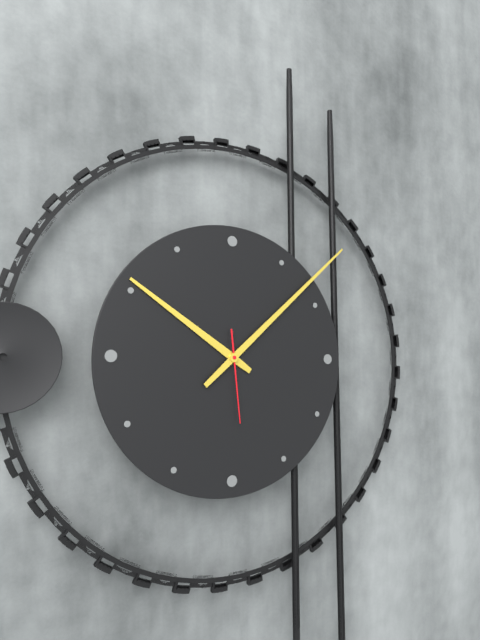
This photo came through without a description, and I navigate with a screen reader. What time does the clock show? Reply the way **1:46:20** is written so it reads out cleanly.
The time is **10:08:29**
